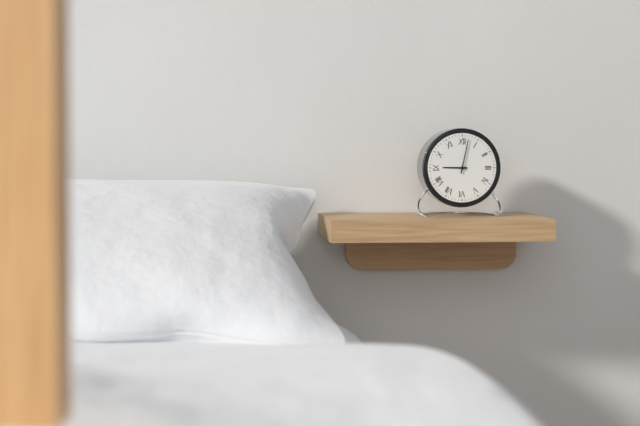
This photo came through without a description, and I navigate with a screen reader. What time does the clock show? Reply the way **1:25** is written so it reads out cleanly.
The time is **9:02**
